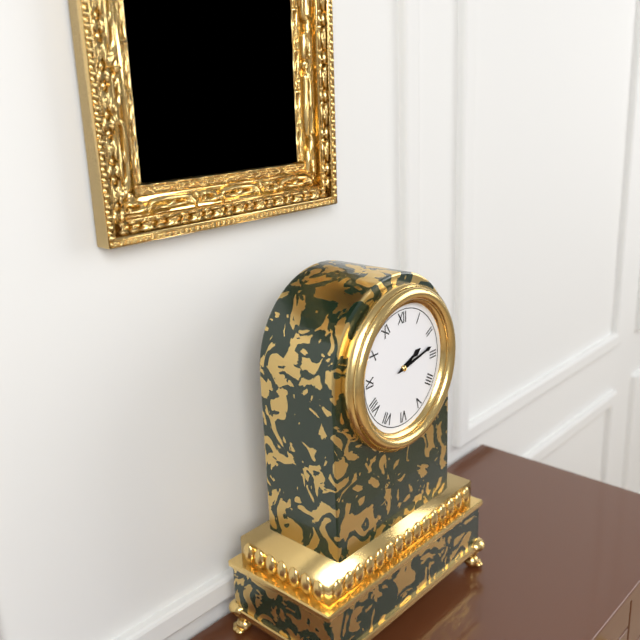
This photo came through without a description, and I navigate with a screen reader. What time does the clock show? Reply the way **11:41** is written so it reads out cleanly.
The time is **2:13**
